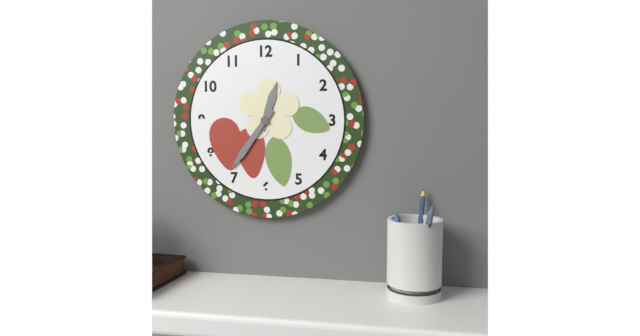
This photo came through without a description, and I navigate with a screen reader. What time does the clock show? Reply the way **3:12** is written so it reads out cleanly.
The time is **12:36**
